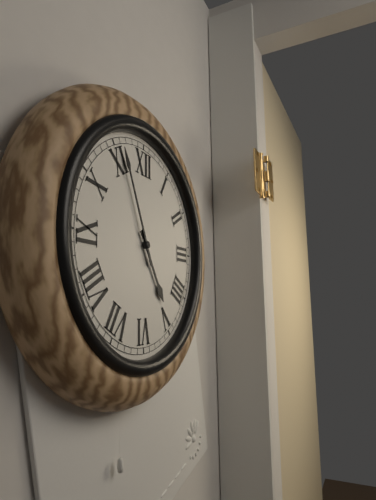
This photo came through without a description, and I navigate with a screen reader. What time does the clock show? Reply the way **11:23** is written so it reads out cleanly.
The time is **4:56**
